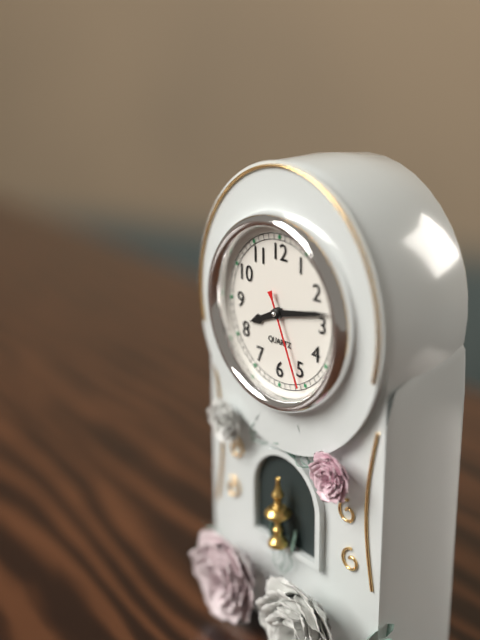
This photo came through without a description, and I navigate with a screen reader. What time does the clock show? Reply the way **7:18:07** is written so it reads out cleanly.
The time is **8:13:26**
